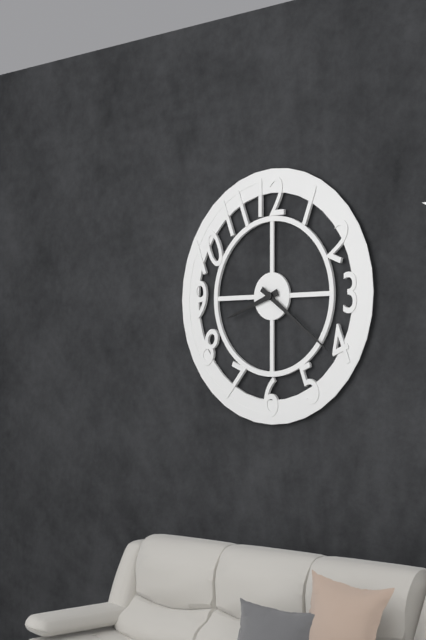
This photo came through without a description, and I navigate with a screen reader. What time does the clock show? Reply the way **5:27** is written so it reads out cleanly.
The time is **8:21**
